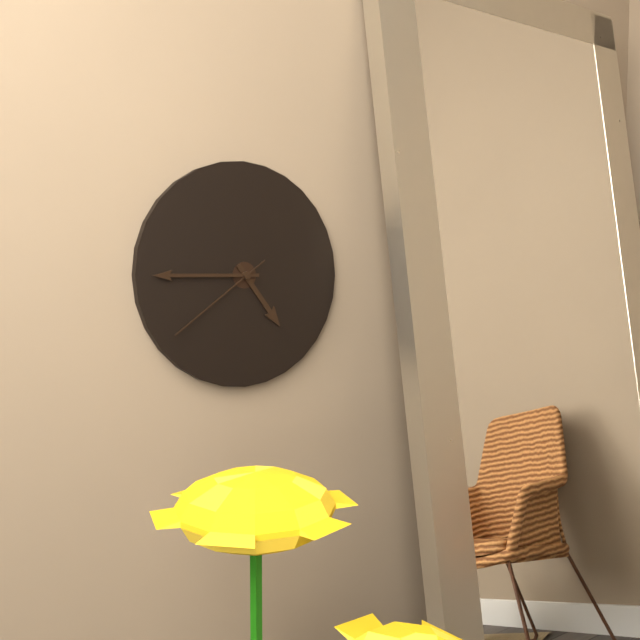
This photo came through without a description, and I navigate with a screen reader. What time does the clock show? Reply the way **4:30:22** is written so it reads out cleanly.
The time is **4:45:39**
